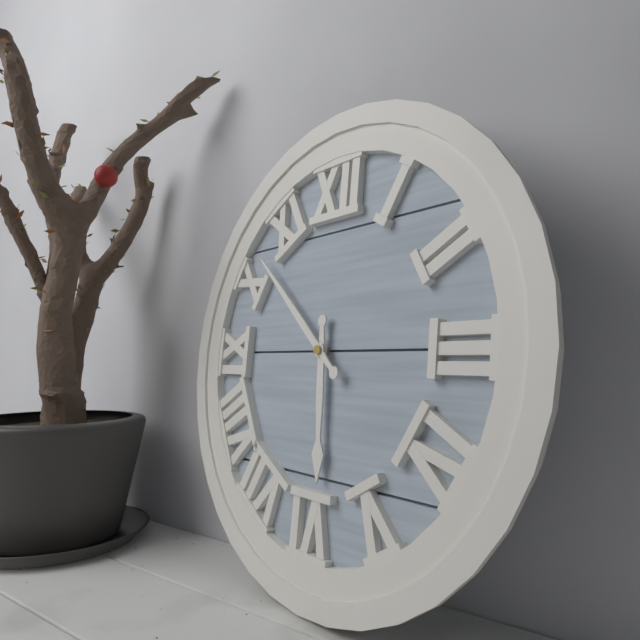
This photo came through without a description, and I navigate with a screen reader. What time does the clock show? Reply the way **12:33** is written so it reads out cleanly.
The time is **5:52**
